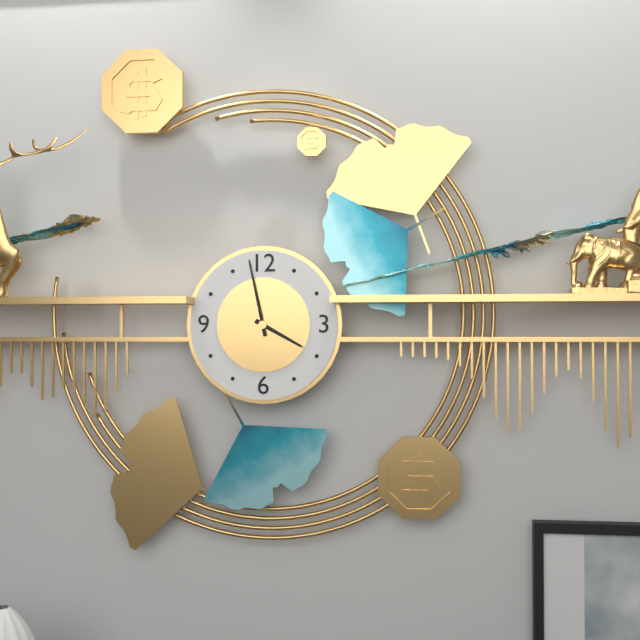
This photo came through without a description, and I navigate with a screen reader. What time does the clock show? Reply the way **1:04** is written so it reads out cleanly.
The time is **3:58**
